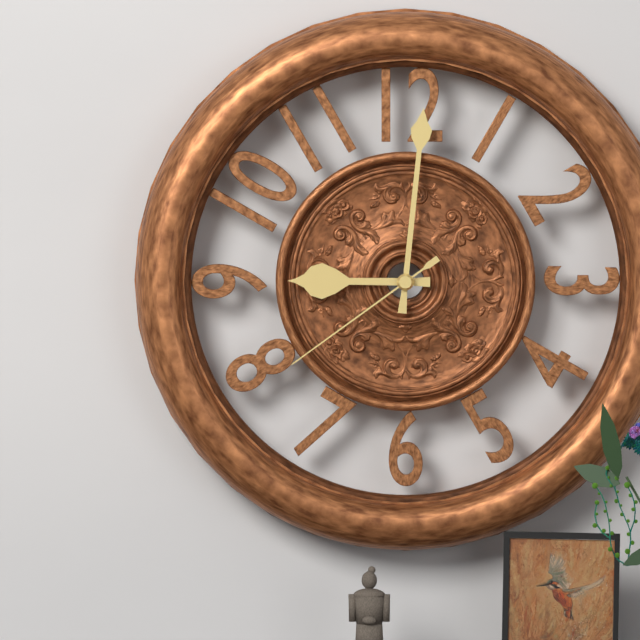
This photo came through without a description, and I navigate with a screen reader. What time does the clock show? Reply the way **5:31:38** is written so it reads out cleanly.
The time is **9:01:39**
